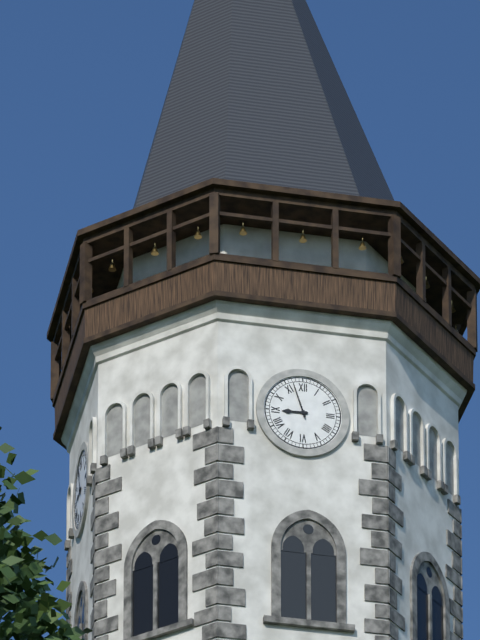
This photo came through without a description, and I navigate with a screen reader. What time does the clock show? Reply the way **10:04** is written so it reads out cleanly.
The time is **8:57**
